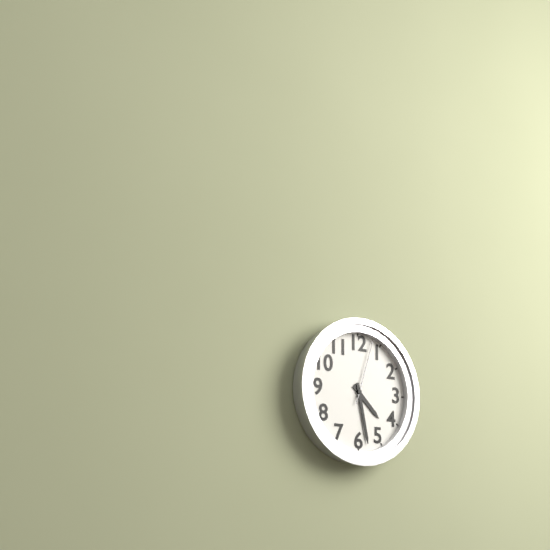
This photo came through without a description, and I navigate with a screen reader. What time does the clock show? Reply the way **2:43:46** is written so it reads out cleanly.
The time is **4:28:03**
